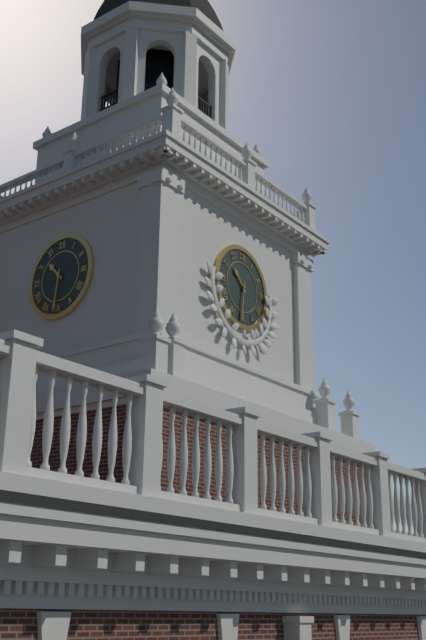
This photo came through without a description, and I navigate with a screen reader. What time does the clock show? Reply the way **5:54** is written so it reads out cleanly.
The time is **10:31**
